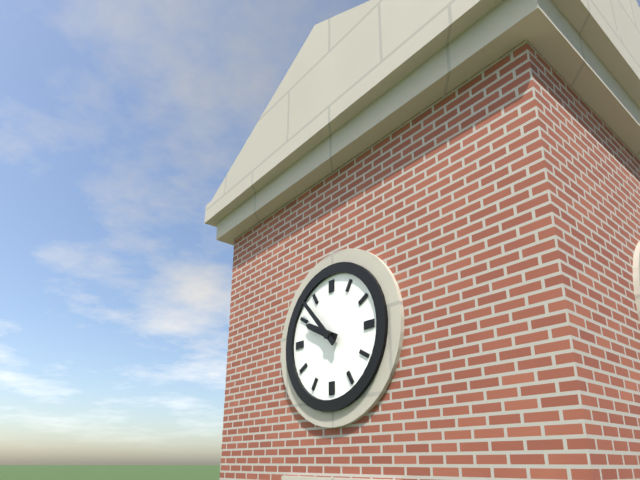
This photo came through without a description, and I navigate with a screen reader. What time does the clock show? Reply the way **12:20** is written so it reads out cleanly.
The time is **9:53**
